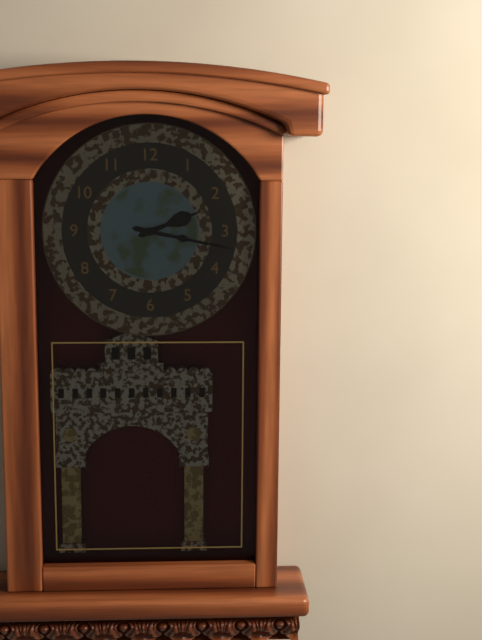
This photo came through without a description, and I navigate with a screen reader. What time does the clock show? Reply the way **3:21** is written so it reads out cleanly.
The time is **2:17**
